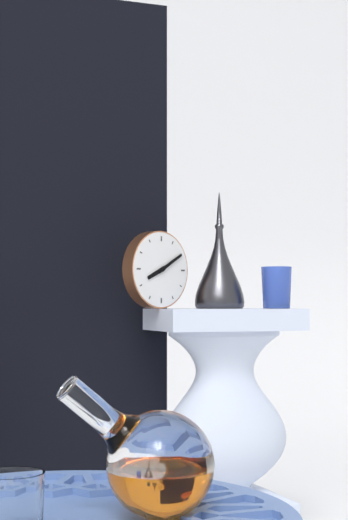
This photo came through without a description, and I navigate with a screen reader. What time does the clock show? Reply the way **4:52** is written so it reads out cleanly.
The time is **8:10**
